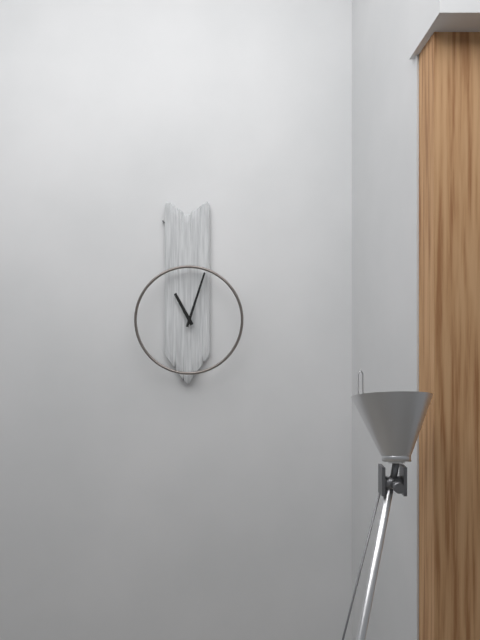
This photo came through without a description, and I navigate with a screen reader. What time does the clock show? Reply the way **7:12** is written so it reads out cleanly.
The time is **11:03**
